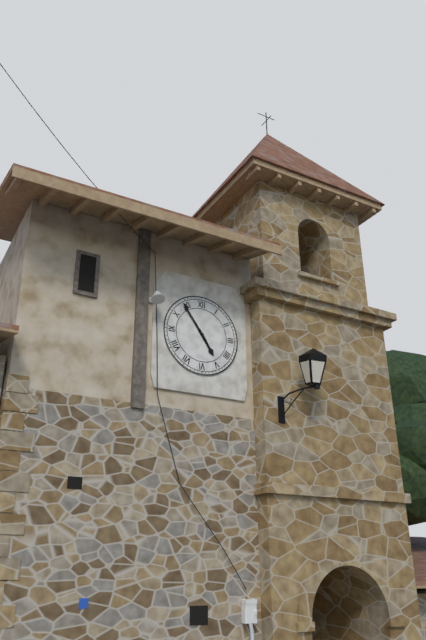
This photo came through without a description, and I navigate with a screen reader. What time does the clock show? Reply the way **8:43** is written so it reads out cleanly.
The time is **4:54**
